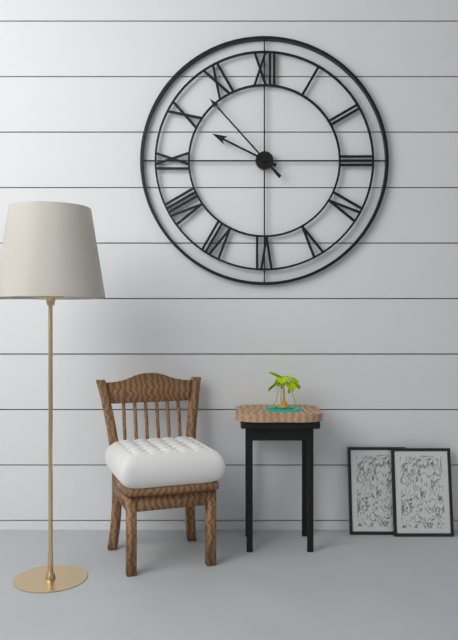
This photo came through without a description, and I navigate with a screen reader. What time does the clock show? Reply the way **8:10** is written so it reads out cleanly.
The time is **9:53**
